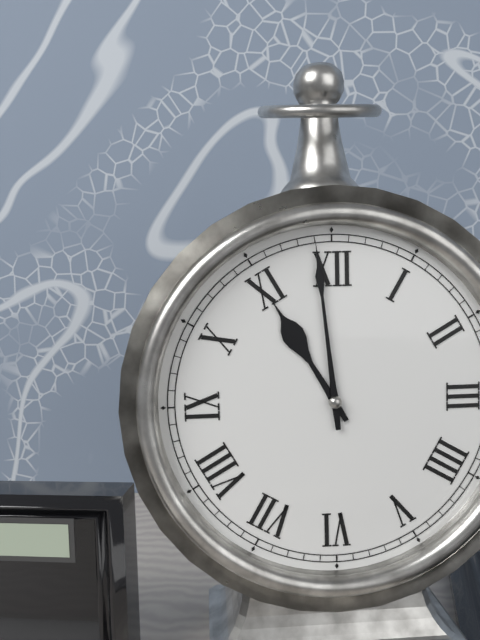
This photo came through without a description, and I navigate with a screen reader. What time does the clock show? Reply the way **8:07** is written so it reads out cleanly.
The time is **10:59**
